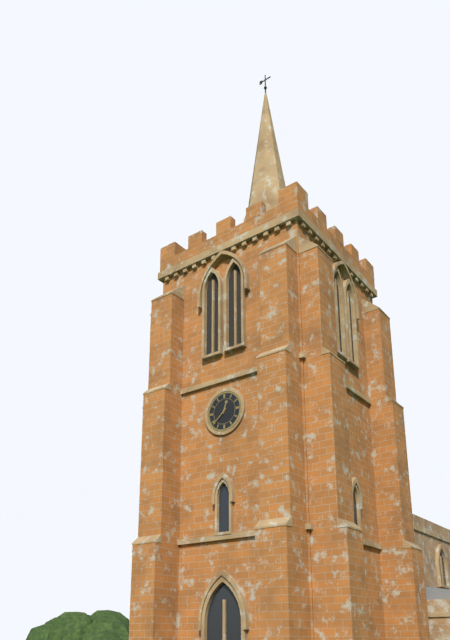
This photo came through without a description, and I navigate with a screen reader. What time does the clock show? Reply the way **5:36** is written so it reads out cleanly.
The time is **12:38**
